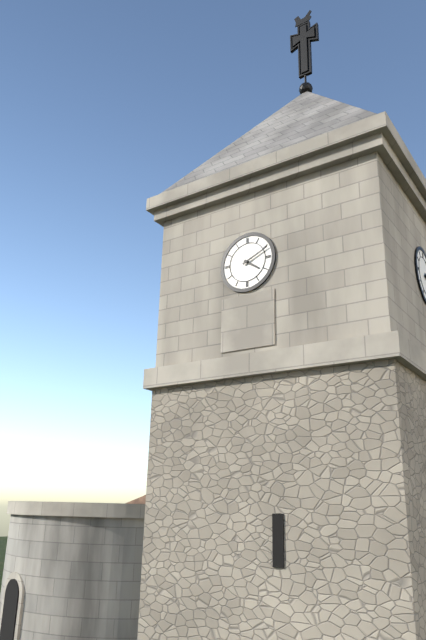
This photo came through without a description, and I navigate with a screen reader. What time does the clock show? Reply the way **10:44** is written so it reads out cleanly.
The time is **4:11**
